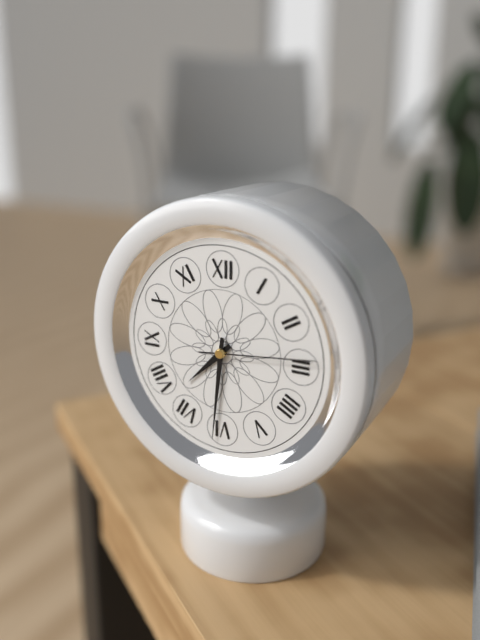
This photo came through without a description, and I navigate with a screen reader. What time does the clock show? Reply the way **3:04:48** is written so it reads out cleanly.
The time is **7:31:14**
